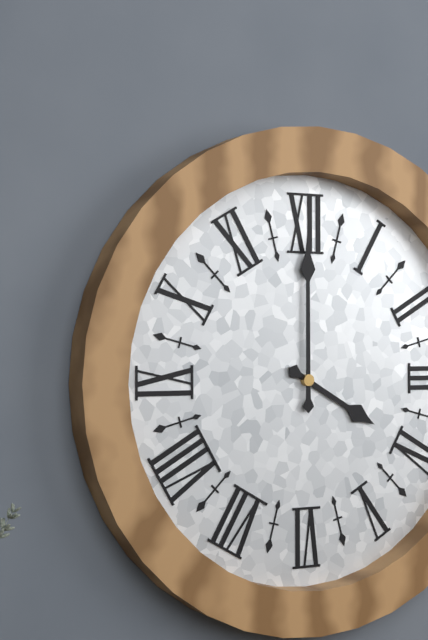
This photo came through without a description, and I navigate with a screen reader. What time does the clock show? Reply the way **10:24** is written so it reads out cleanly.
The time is **4:00**
